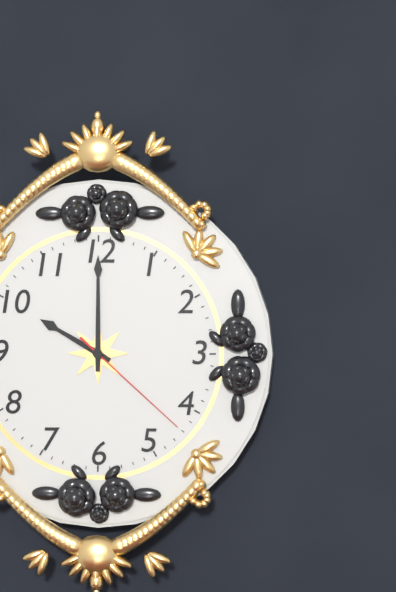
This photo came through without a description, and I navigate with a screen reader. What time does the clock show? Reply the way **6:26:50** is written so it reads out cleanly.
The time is **10:00:22**
